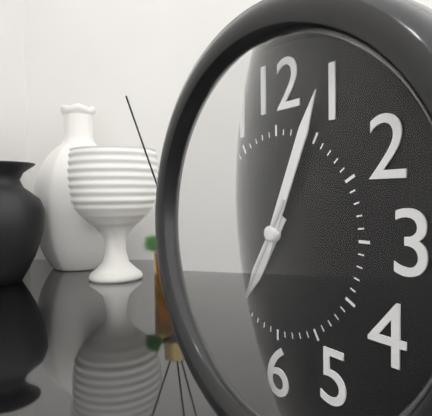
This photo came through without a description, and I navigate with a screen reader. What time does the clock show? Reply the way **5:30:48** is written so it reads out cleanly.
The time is **7:04:35**
